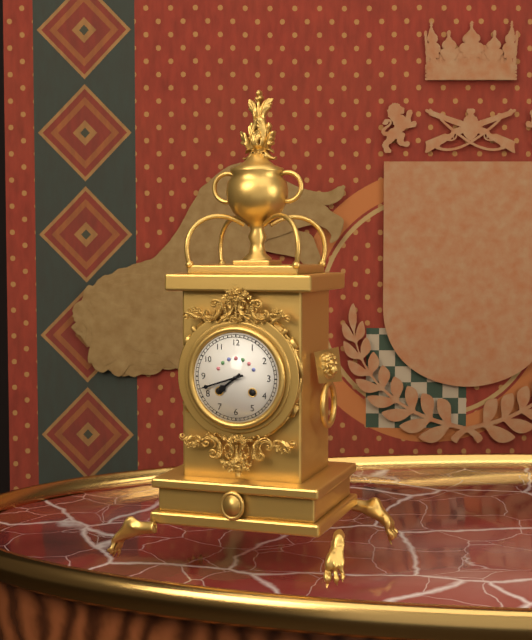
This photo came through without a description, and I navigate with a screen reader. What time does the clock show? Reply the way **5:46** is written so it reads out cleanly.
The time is **7:42**
